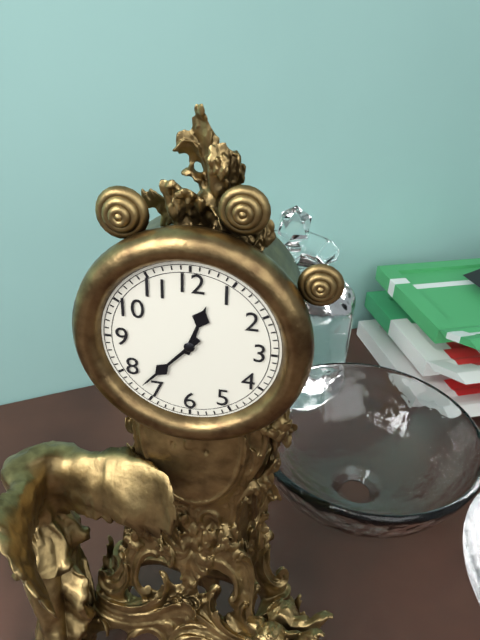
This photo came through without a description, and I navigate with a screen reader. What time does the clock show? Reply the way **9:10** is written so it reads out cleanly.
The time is **12:37**
